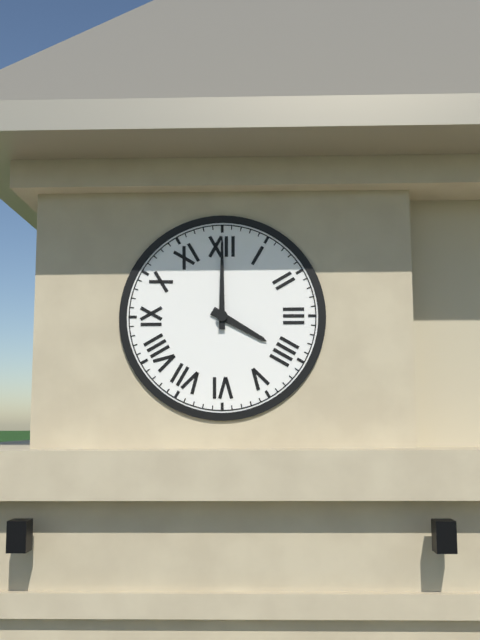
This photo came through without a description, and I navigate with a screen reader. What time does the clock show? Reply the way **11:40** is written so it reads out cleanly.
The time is **4:00**
